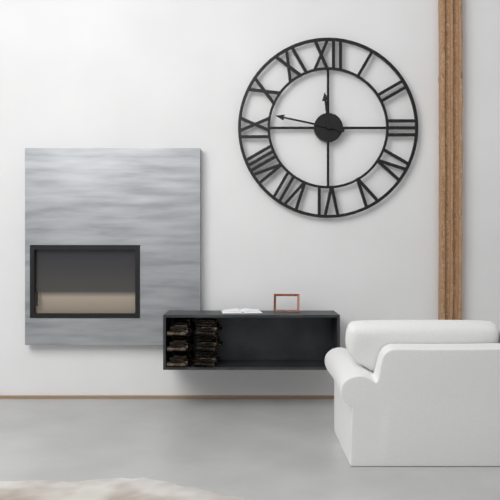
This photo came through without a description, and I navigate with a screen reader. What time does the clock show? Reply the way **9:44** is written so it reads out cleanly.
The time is **11:47**
